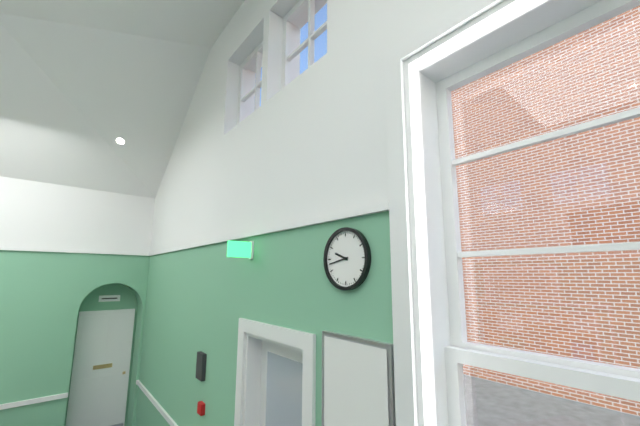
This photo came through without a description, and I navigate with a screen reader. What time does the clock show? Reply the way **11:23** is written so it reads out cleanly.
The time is **9:43**
